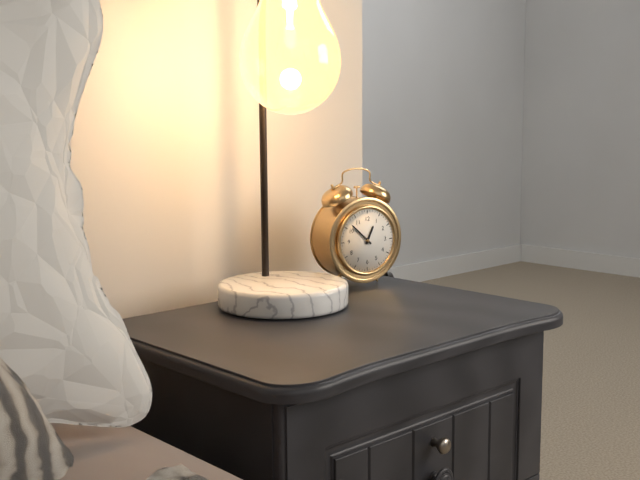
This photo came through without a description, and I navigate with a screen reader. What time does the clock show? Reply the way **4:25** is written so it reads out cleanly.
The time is **12:52**
